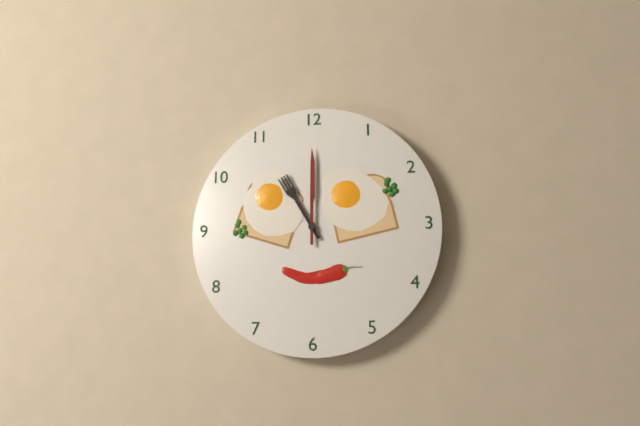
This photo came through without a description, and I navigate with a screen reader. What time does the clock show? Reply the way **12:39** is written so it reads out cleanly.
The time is **11:00**
